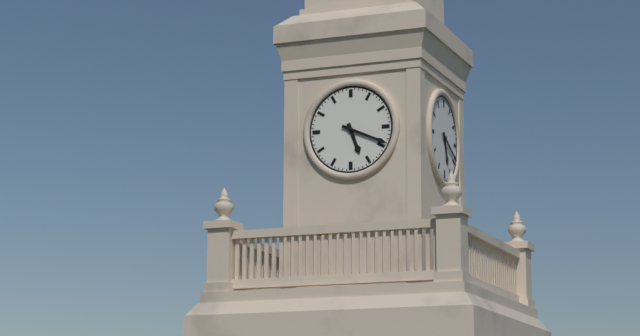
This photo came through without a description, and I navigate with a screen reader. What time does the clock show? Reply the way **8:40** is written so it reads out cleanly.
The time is **5:19**
